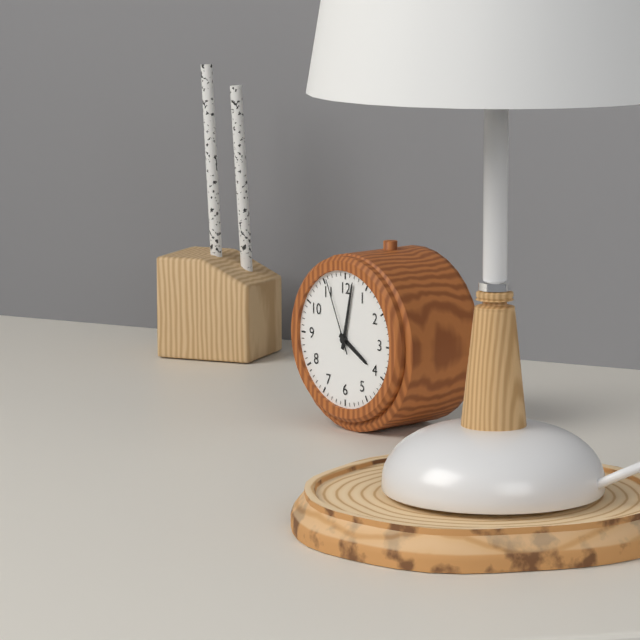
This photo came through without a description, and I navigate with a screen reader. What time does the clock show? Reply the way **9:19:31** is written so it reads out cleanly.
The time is **4:02:56**
